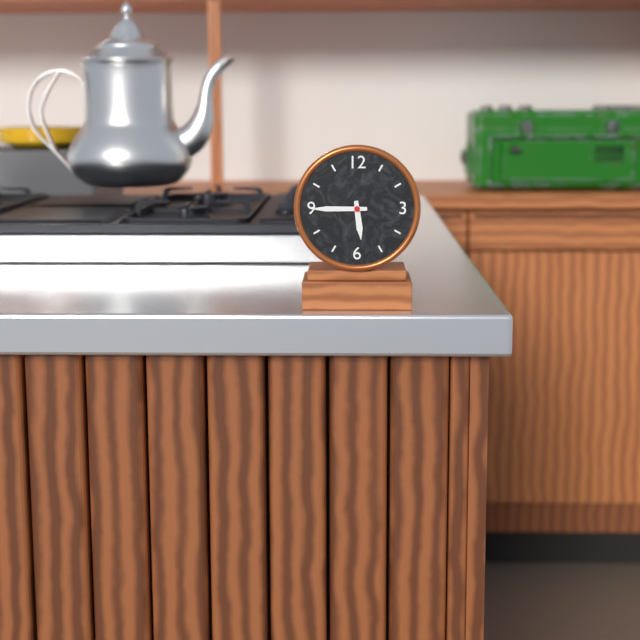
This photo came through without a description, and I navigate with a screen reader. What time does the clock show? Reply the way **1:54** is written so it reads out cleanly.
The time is **5:45**
